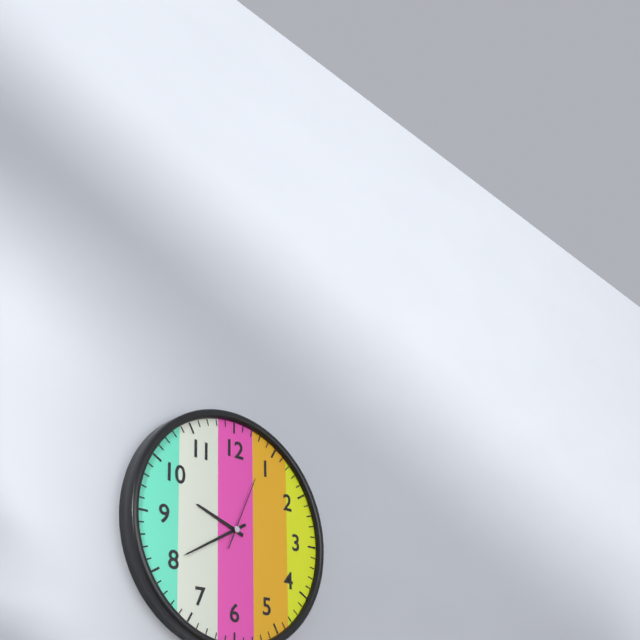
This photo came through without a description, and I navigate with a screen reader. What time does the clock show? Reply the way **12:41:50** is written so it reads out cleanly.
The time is **9:40:04**
